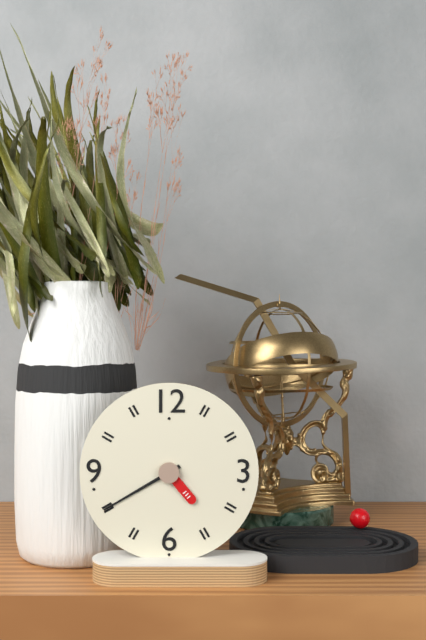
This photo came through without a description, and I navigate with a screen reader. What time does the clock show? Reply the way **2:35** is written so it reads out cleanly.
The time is **4:40**
